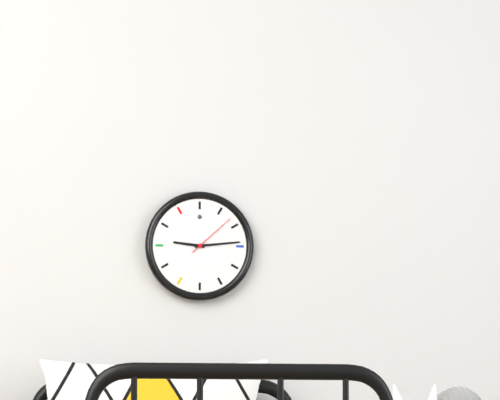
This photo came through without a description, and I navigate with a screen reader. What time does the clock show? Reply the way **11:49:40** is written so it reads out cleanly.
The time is **9:14:08**
